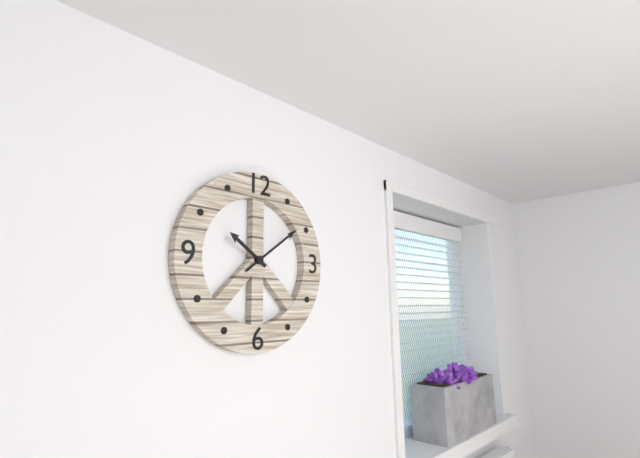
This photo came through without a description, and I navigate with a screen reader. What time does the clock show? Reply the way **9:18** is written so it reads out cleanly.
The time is **10:09**
